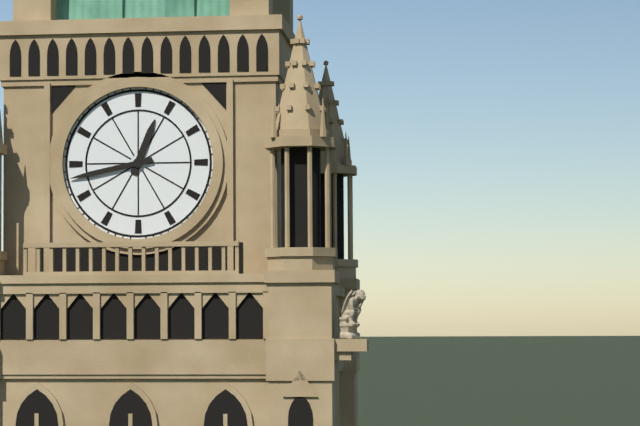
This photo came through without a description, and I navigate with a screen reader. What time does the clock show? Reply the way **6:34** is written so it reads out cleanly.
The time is **12:43**
